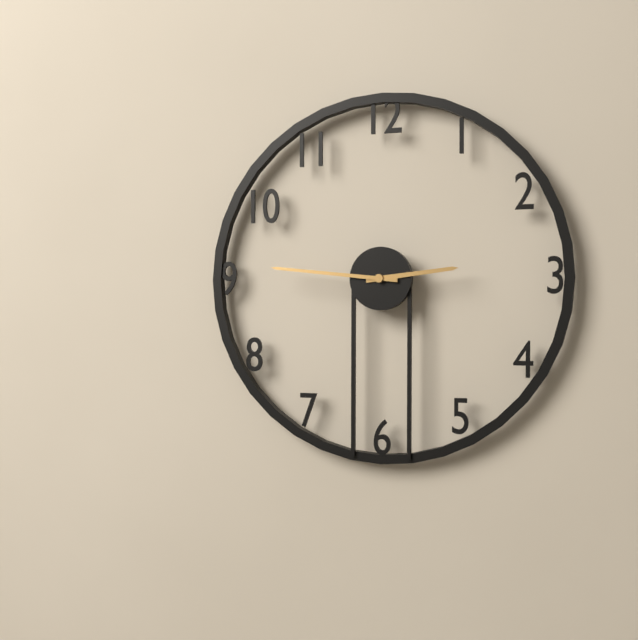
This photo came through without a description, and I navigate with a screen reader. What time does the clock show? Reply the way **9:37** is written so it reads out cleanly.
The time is **2:46**
